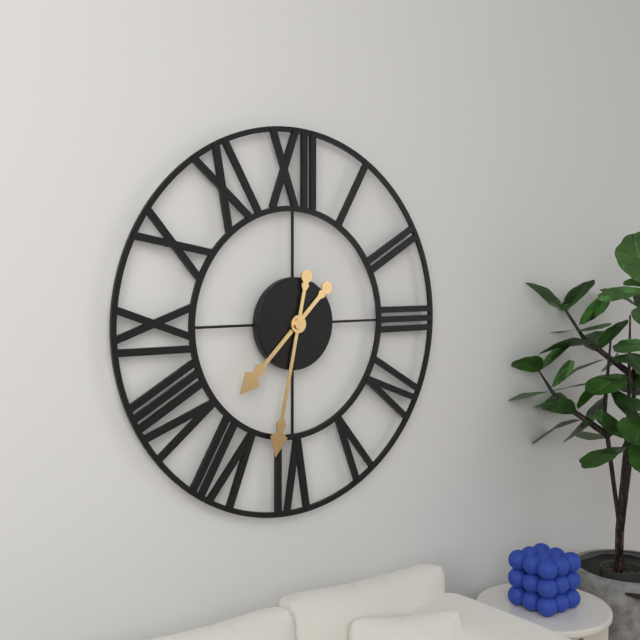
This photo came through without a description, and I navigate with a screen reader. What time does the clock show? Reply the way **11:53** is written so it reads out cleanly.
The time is **7:32**
